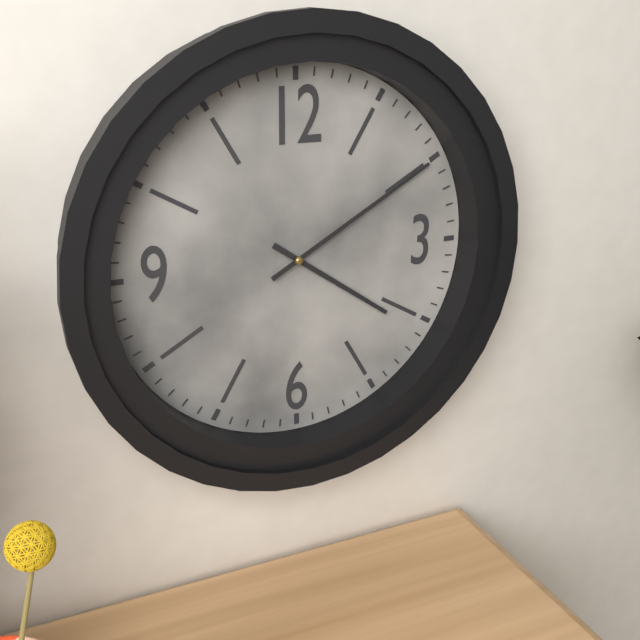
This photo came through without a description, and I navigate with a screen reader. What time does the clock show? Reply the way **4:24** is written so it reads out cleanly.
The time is **4:10**
